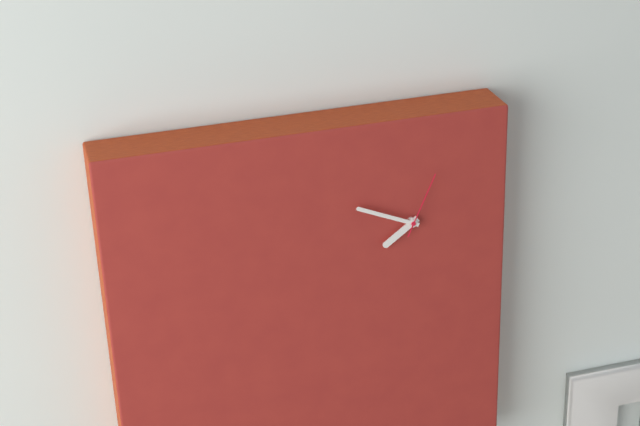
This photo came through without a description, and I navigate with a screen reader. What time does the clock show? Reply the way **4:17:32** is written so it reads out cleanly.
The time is **7:49:04**
